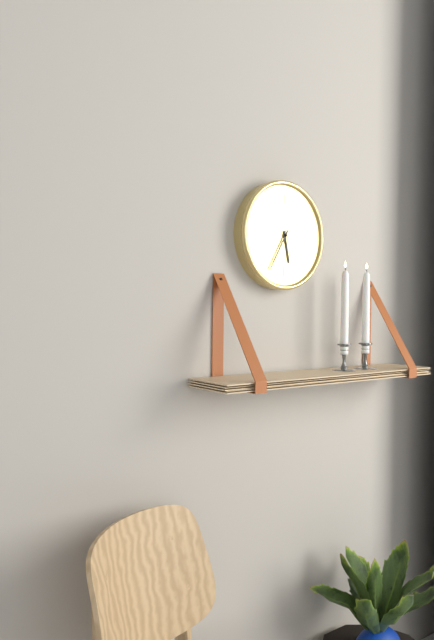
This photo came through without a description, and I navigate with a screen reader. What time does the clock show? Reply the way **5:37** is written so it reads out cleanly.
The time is **5:35**
